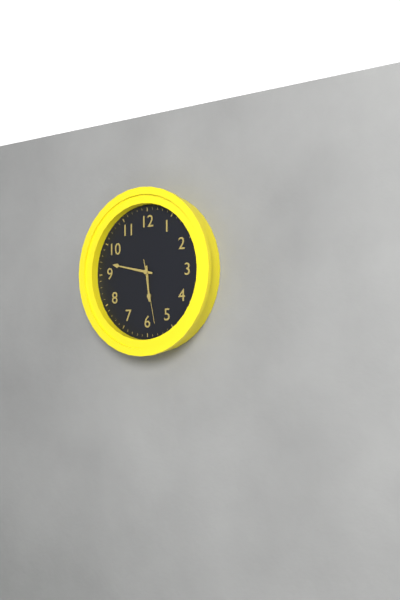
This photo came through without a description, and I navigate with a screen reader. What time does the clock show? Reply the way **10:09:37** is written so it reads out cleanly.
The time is **5:47:28**
